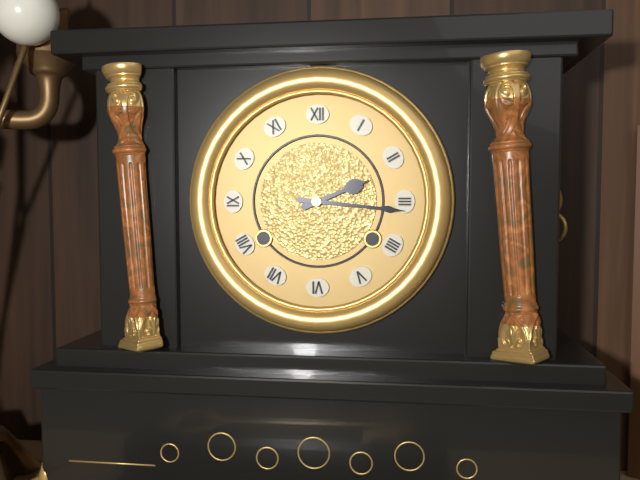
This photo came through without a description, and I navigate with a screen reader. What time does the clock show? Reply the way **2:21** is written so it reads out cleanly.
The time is **2:16**
